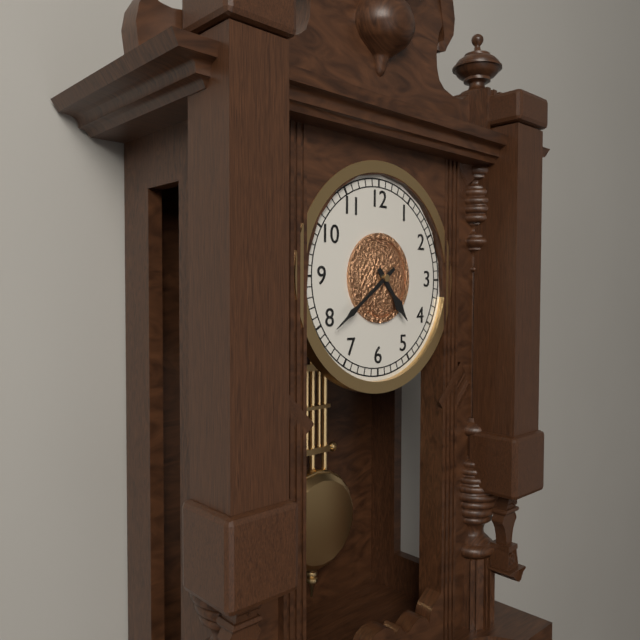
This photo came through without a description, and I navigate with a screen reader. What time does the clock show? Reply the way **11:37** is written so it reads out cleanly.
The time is **4:39**
